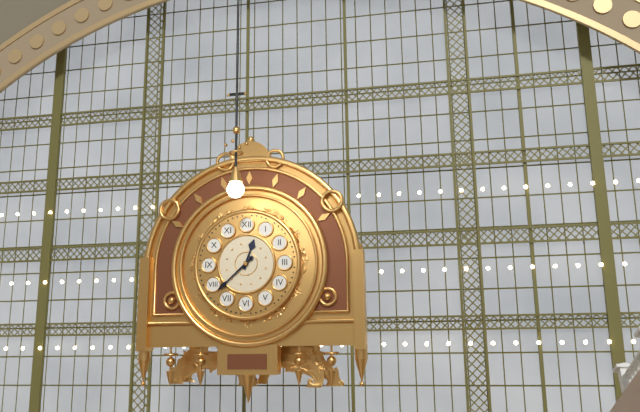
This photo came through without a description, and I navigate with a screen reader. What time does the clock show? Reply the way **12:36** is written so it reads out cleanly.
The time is **12:38**
